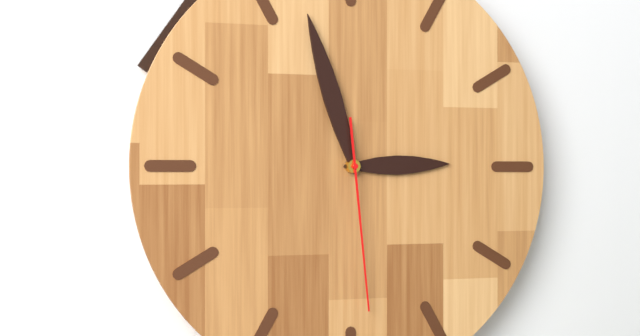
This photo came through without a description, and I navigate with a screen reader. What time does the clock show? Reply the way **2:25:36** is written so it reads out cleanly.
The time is **2:57:29**
